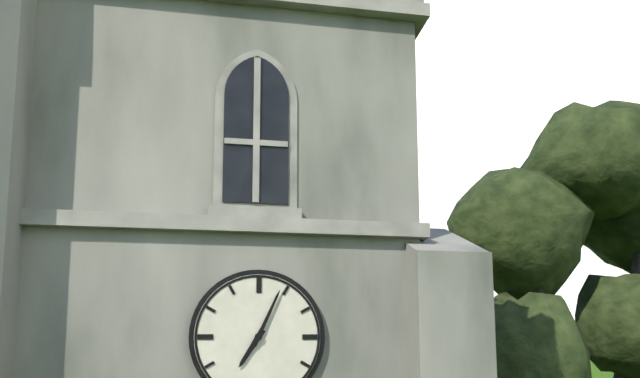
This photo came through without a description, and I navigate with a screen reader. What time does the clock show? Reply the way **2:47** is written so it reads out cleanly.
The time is **7:04**
